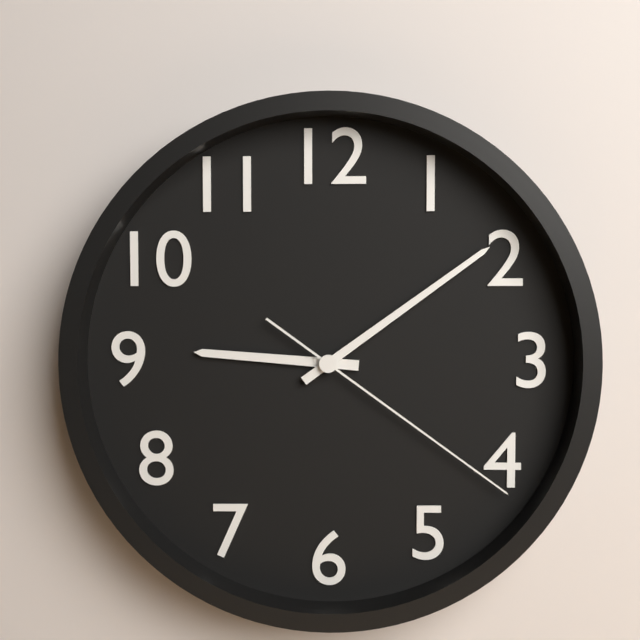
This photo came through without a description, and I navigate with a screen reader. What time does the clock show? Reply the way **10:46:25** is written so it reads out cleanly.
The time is **9:09:21**
